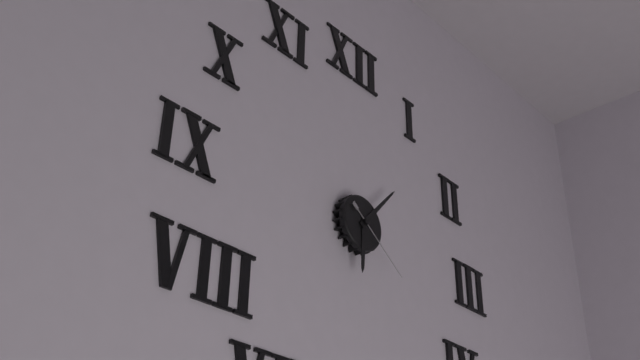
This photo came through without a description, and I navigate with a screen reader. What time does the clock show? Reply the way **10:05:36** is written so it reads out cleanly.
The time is **6:07:21**
